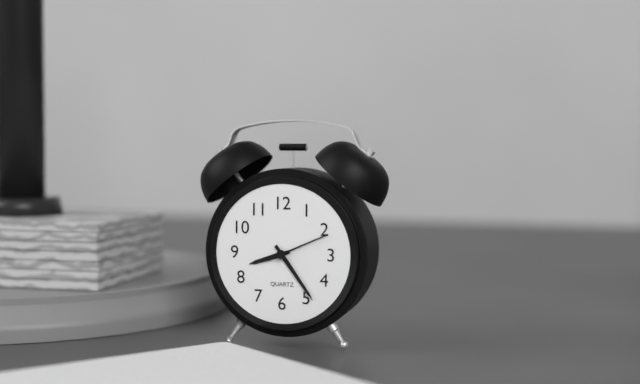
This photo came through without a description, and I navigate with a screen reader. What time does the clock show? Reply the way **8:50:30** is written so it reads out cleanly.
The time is **8:24:11**
